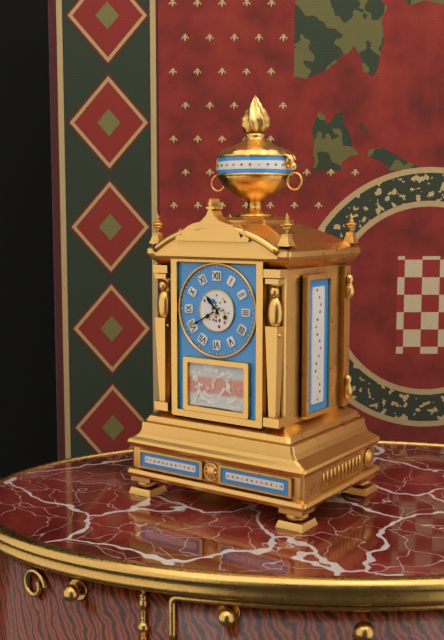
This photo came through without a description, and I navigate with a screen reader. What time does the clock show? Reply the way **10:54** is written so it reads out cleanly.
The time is **10:40**
